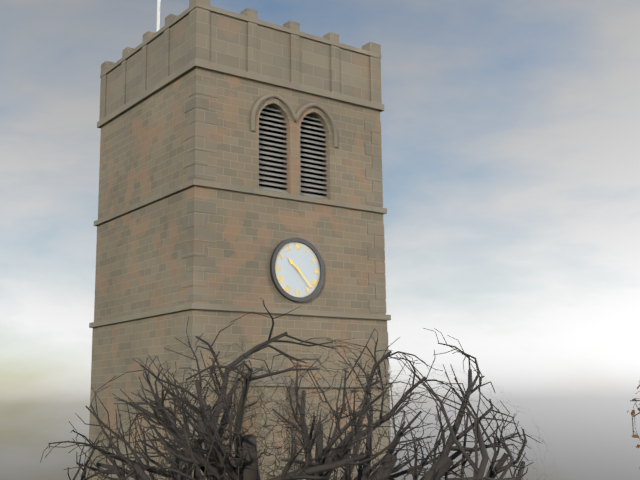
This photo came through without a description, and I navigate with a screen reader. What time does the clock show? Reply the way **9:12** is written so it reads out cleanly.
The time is **10:23**
